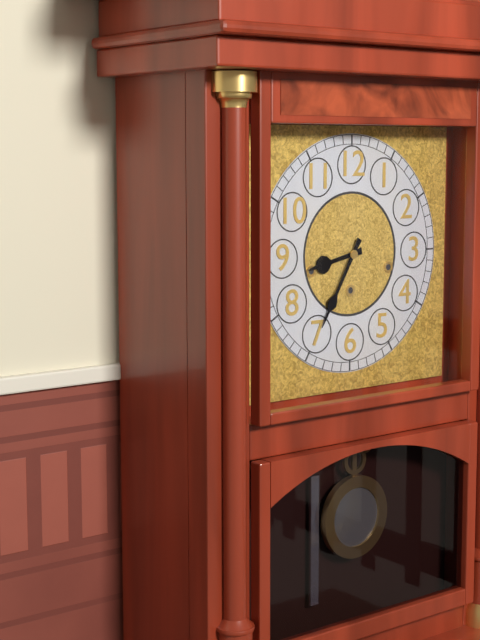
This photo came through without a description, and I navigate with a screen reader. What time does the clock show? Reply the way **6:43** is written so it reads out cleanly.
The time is **8:35**
